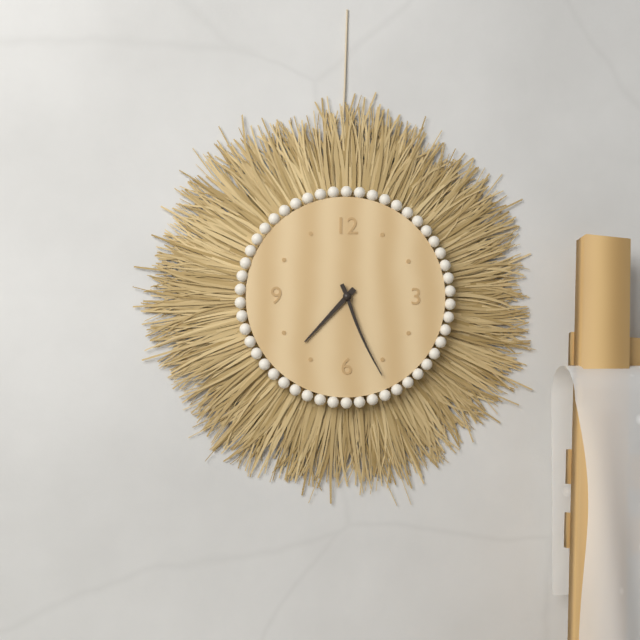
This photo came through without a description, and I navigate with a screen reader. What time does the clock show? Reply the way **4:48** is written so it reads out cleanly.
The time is **7:26**
